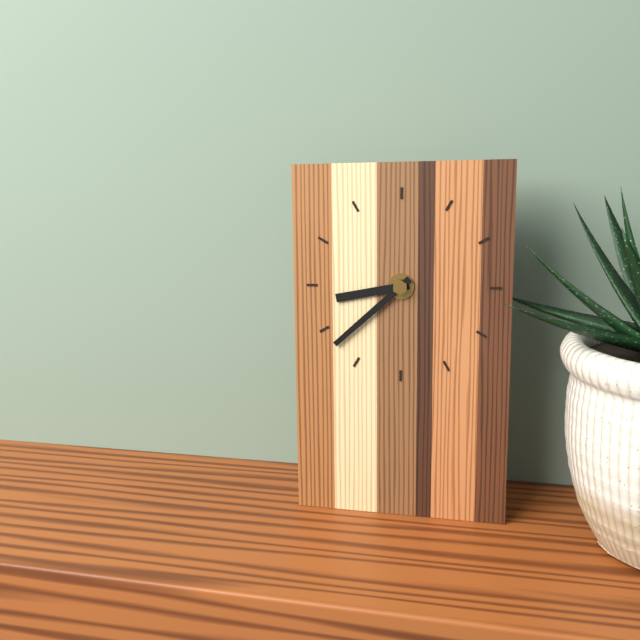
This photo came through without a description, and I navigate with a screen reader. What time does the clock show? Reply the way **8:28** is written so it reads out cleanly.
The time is **8:38**
